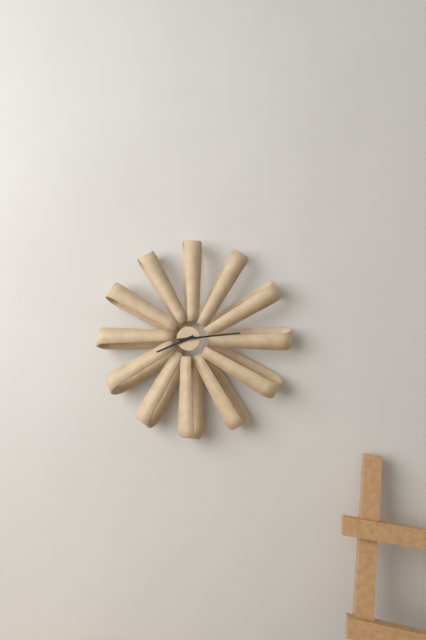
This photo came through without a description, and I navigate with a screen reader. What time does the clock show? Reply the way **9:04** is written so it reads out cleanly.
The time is **8:14**
